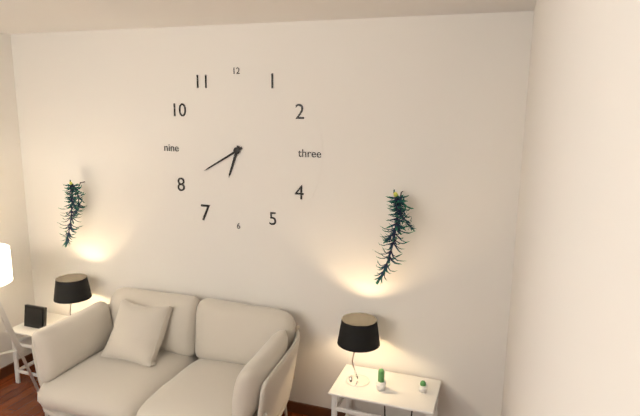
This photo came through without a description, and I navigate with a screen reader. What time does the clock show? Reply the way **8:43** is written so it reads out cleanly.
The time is **6:40**
